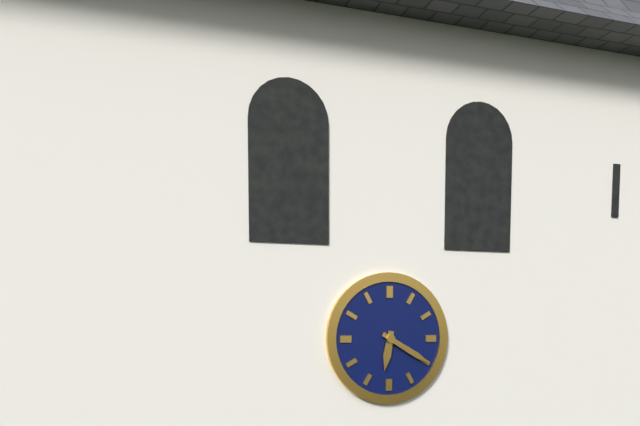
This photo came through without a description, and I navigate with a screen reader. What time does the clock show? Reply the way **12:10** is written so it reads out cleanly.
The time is **6:20**
